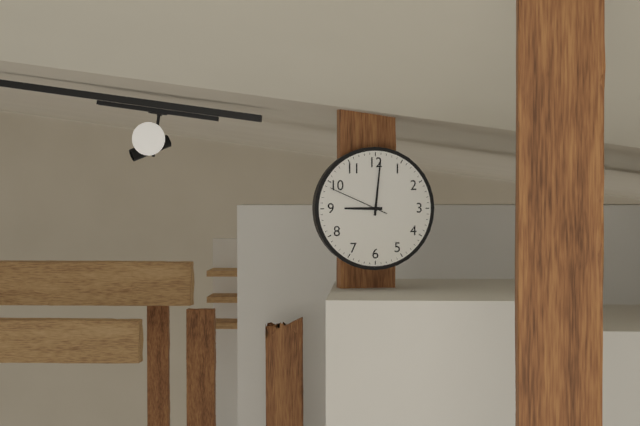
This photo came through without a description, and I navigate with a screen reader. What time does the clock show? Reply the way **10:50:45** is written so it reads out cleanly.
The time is **9:01:49**
